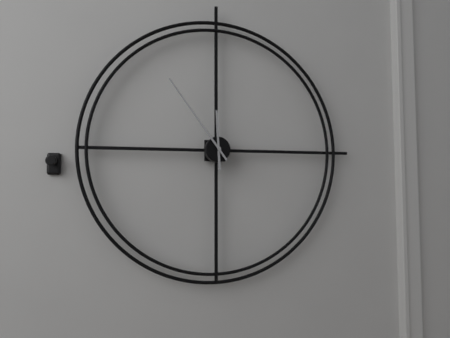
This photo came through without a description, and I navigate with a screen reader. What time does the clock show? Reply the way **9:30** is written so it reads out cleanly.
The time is **11:54**
